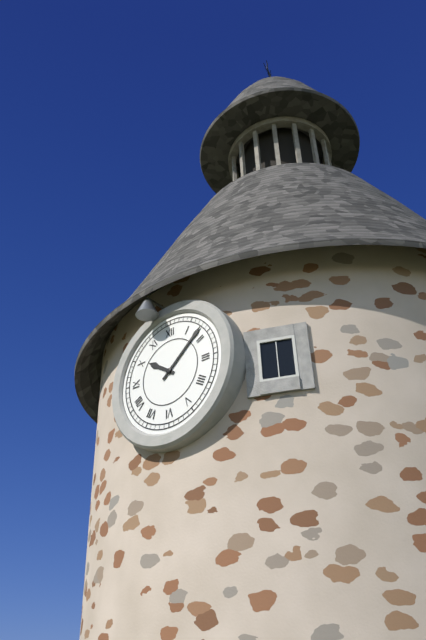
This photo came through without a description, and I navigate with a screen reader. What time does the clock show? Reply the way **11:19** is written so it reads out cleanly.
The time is **10:08**
